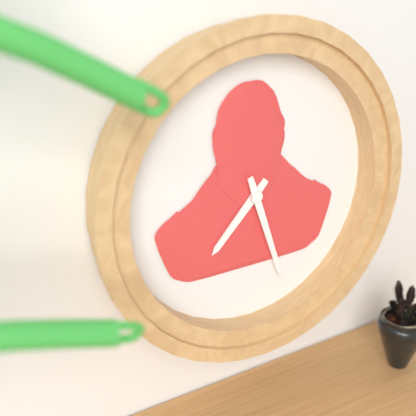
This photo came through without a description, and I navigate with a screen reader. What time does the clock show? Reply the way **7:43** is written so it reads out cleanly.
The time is **7:27**
